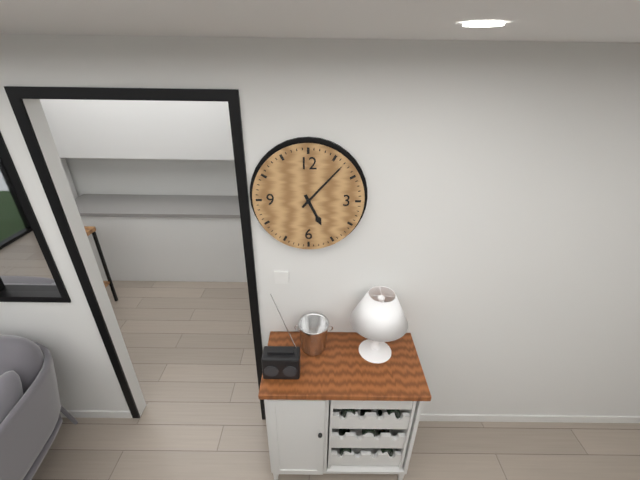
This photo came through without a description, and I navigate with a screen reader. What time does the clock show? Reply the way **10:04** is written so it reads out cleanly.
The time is **5:07**
